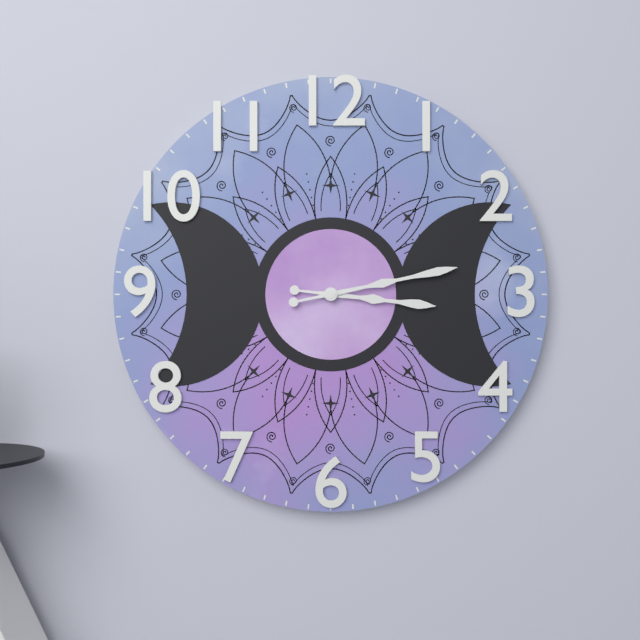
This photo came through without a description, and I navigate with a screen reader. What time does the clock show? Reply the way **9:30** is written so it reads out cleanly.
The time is **3:13**
